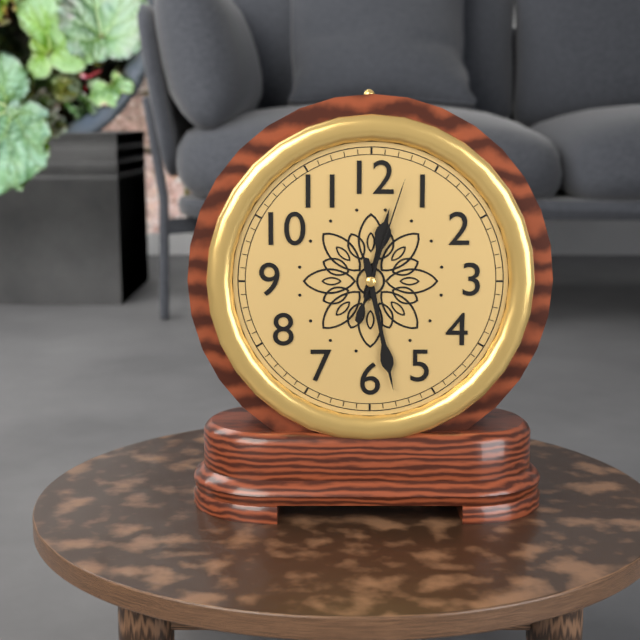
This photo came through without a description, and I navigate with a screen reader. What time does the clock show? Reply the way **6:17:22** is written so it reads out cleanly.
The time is **12:28:03**
